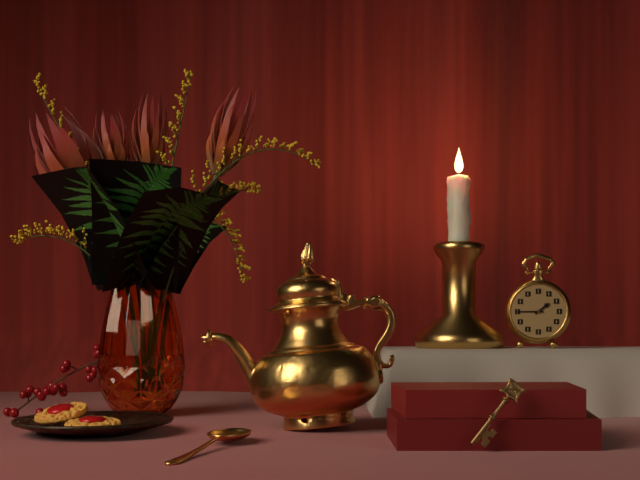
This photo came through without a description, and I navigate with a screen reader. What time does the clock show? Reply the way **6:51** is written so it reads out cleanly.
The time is **1:45**
